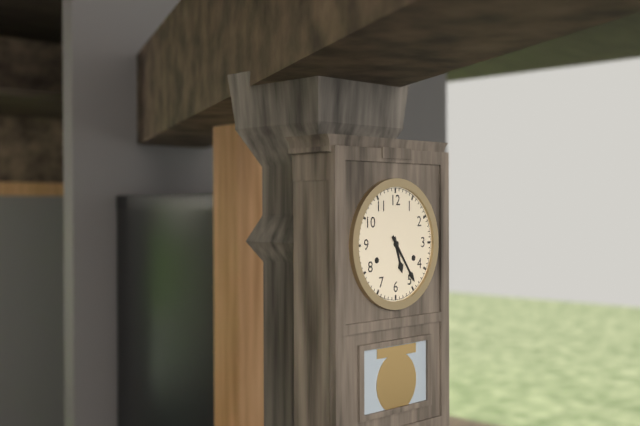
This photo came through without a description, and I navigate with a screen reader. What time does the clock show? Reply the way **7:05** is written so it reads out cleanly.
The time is **5:24**
